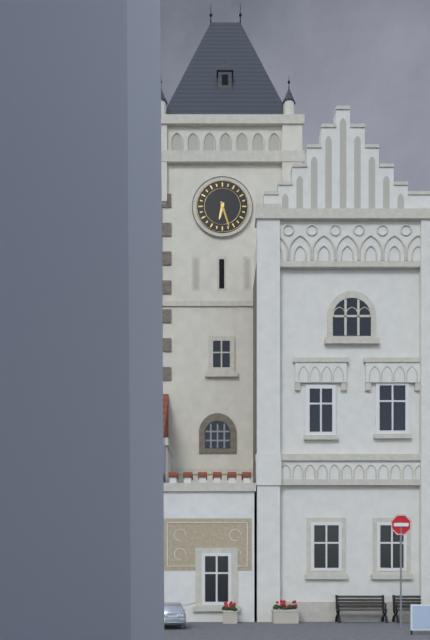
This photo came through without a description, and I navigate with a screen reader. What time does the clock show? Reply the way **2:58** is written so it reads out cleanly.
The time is **6:27**
